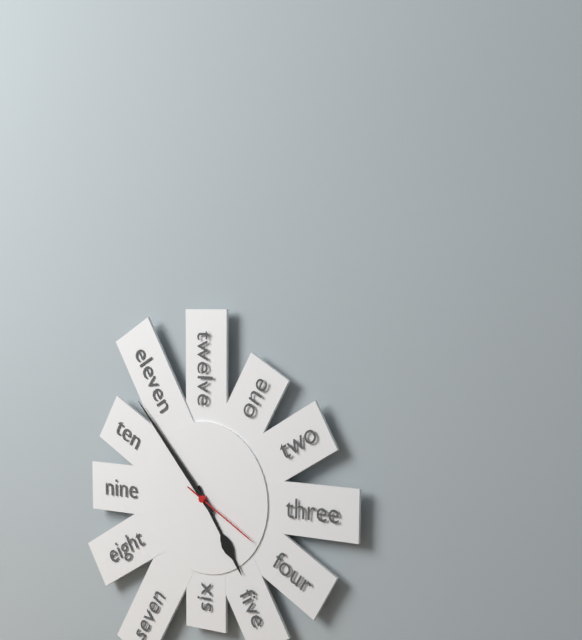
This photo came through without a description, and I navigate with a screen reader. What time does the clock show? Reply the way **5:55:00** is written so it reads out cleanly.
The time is **4:53:20**
